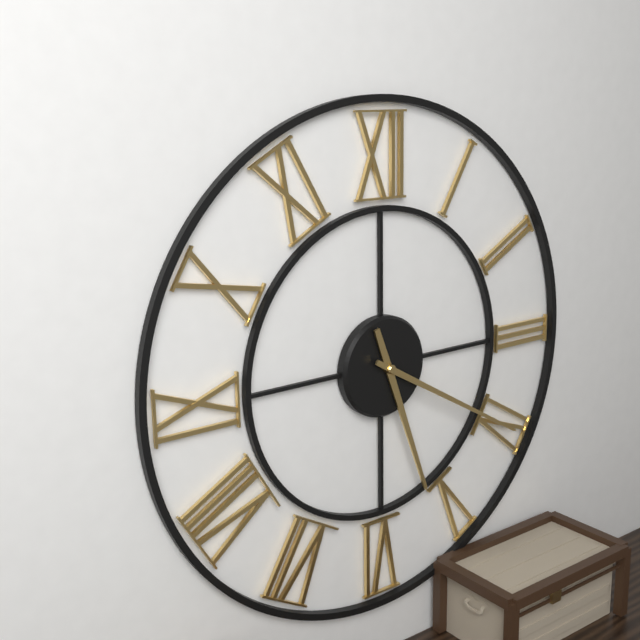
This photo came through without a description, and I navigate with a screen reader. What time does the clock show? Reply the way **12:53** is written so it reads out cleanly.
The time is **5:20**
